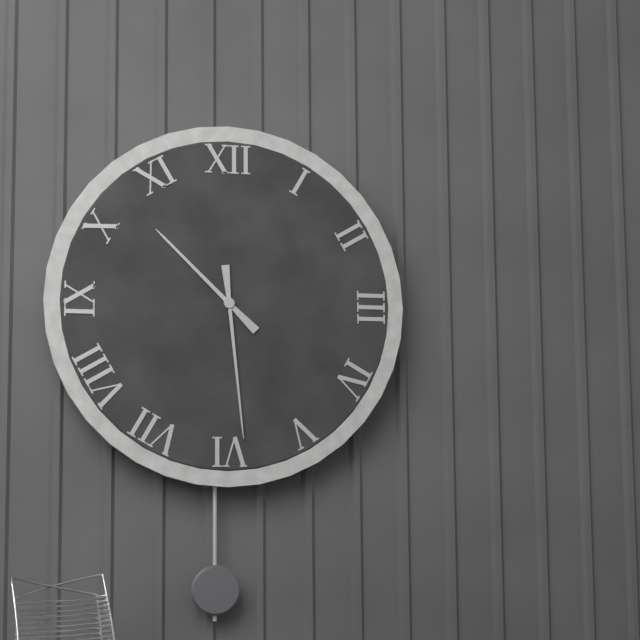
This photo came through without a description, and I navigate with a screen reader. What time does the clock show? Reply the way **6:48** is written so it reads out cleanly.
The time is **10:29**
